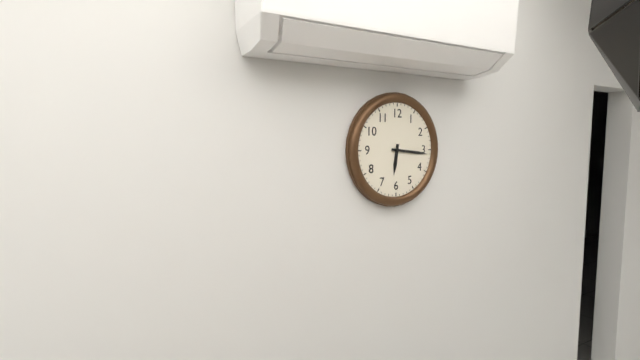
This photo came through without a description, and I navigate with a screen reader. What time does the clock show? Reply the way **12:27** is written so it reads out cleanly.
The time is **6:16**
